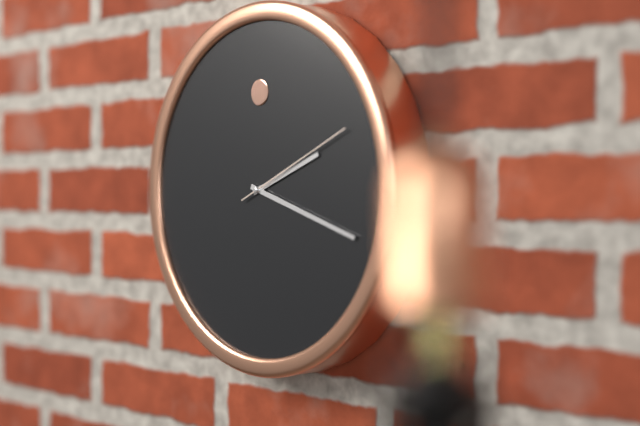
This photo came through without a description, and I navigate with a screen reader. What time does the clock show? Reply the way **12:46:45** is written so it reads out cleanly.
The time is **2:18:11**
